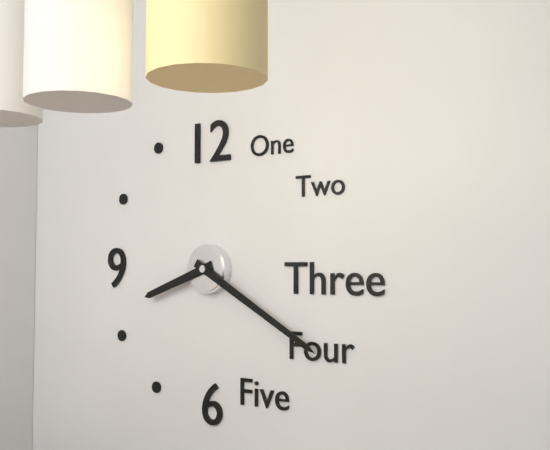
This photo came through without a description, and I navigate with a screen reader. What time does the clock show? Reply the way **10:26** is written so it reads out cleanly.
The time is **8:20**
